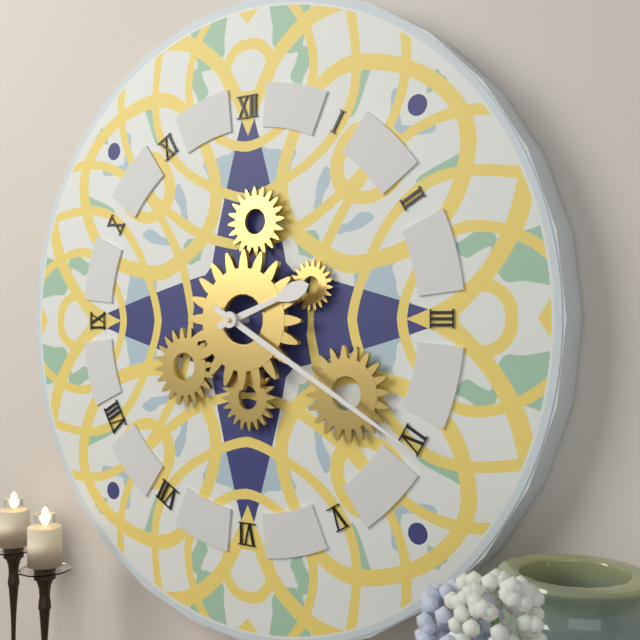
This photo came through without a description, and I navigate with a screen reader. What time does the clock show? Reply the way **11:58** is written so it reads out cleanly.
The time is **2:20**
